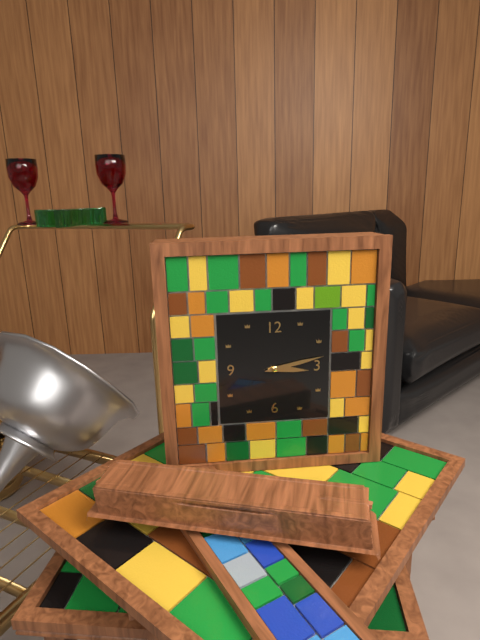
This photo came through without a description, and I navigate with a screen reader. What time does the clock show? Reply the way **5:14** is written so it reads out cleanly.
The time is **3:13**
